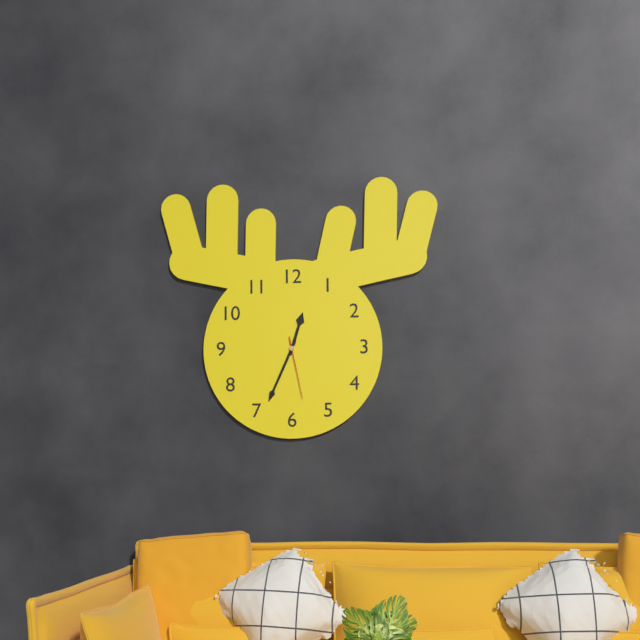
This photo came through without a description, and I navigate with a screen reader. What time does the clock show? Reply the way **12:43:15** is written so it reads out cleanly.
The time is **12:34:28**
